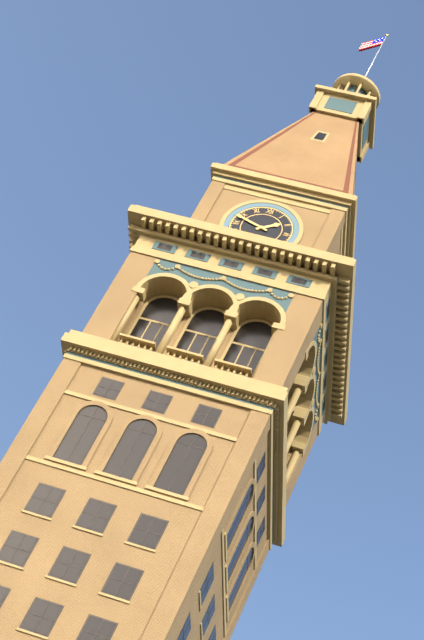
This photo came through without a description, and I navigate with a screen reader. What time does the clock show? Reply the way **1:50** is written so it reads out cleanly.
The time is **1:48**
